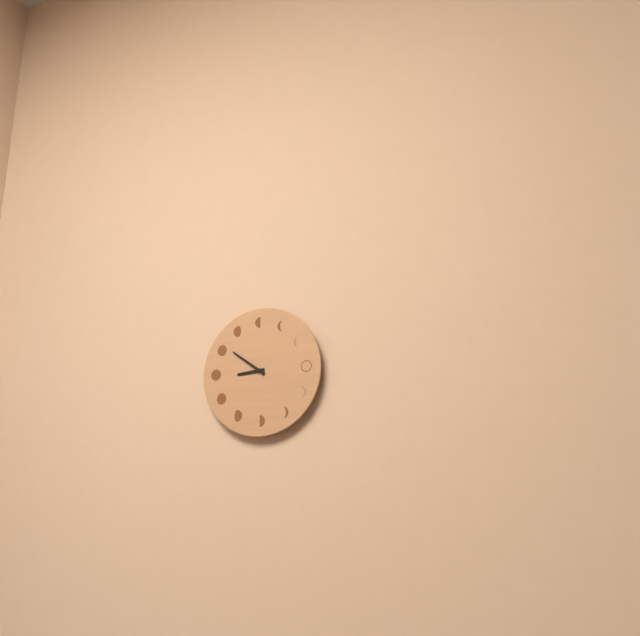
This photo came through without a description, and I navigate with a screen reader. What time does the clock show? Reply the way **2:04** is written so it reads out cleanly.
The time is **8:51**
